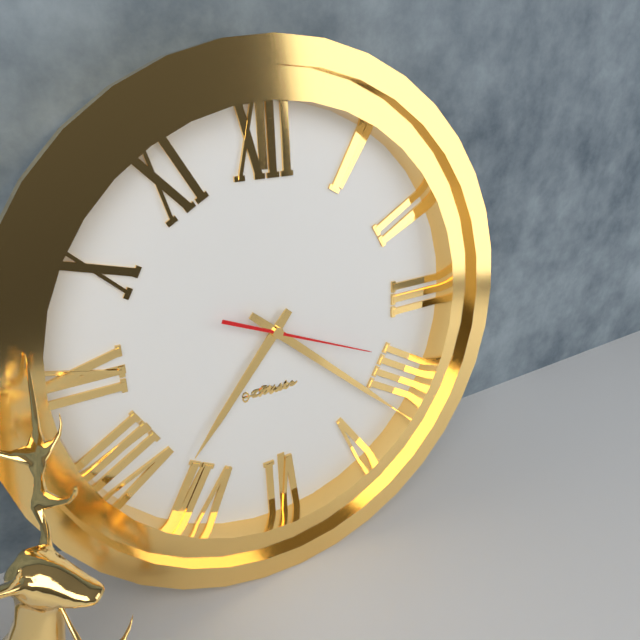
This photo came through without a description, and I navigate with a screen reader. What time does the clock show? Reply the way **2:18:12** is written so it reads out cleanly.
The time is **7:22:19**
